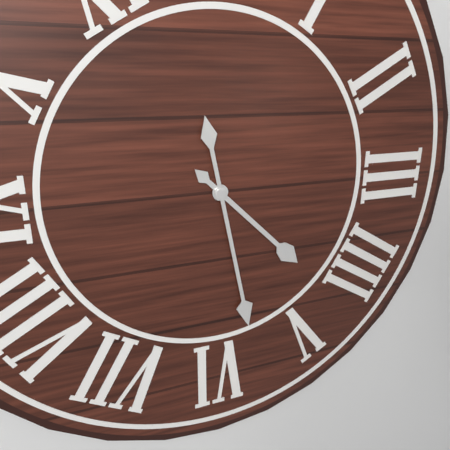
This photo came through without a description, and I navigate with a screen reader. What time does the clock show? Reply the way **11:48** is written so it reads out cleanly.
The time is **4:28**
